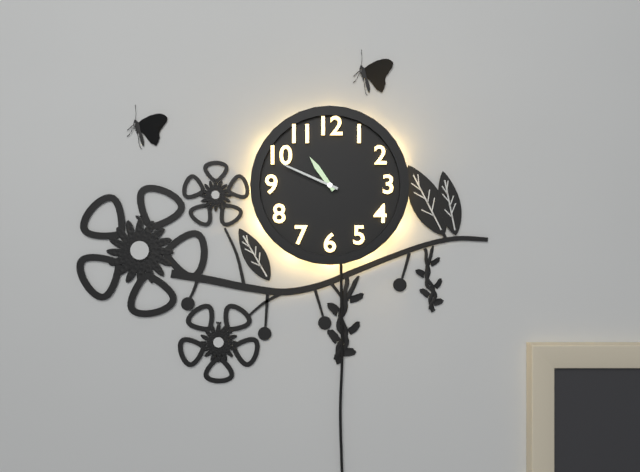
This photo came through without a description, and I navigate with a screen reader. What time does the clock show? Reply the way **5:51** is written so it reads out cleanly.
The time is **10:49**
